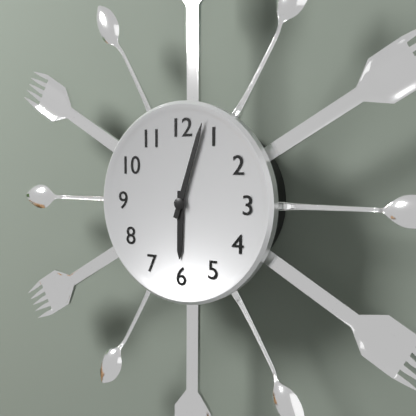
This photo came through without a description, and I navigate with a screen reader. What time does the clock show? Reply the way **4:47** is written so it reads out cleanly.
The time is **6:03**
